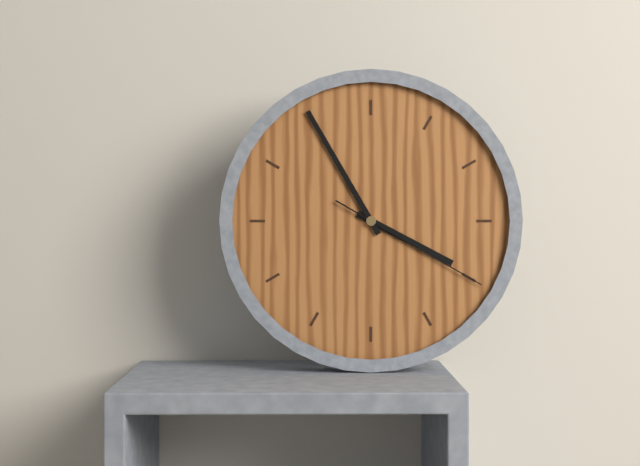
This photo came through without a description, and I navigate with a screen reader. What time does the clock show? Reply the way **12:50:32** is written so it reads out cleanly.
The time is **3:55:20**
